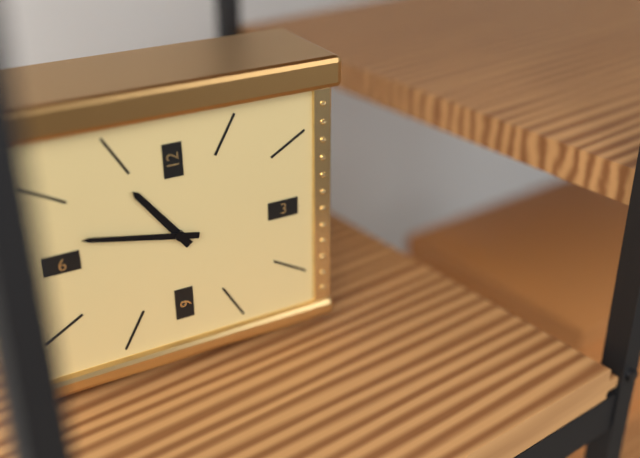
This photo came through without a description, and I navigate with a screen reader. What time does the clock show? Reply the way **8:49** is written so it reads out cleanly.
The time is **10:47**
